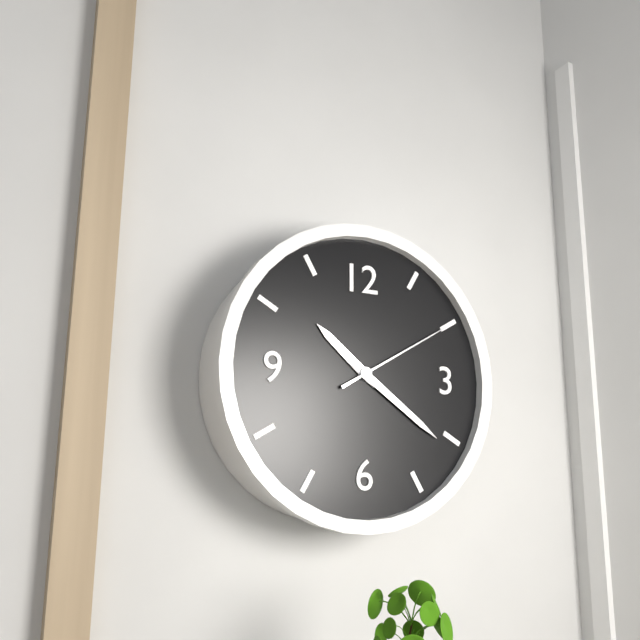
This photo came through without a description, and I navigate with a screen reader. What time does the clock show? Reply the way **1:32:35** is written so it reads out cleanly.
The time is **10:21:10**
